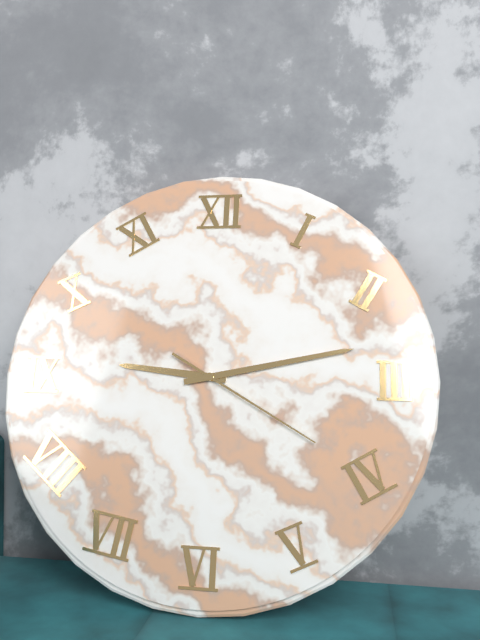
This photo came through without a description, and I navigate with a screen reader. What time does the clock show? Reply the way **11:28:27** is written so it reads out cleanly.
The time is **9:13:20**
